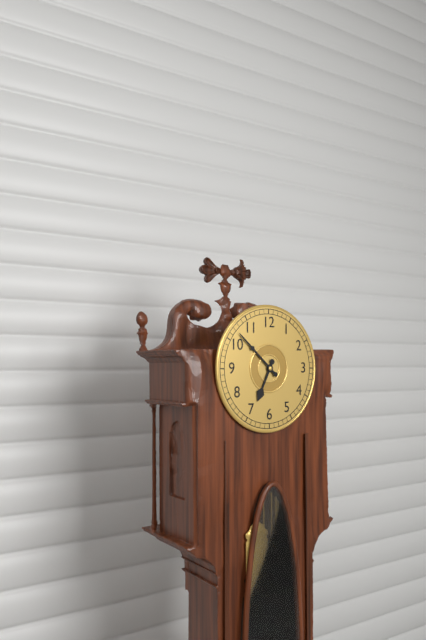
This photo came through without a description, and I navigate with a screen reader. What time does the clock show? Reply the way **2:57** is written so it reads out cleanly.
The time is **6:52**
